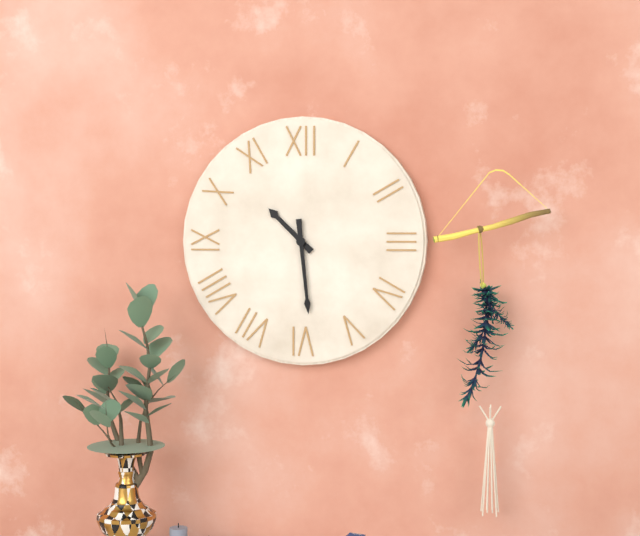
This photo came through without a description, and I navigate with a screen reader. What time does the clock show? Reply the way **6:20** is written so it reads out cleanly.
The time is **10:29**
